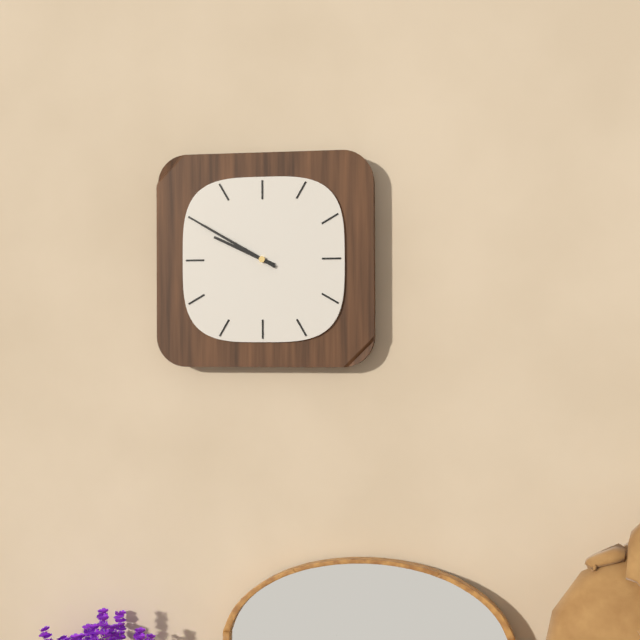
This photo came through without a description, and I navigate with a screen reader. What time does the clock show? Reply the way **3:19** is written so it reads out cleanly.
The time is **9:50**
